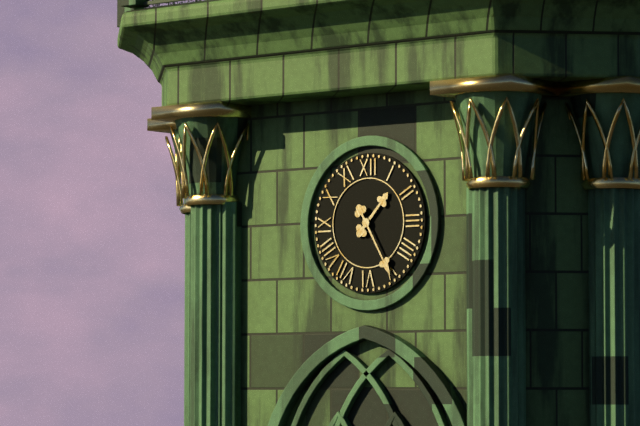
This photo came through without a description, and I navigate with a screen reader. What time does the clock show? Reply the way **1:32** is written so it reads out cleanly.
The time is **1:25**
